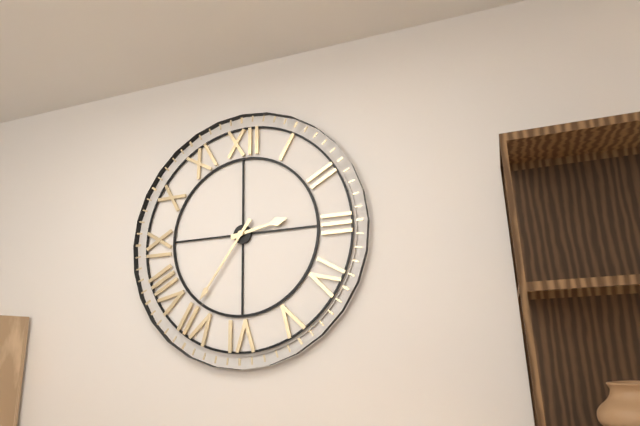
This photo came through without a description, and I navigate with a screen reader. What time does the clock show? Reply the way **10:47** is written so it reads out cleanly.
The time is **2:36**
